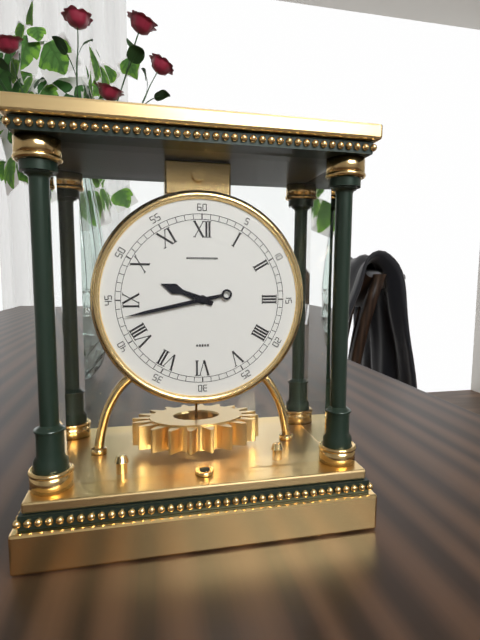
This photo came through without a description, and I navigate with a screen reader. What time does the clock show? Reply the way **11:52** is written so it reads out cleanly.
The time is **9:43**
